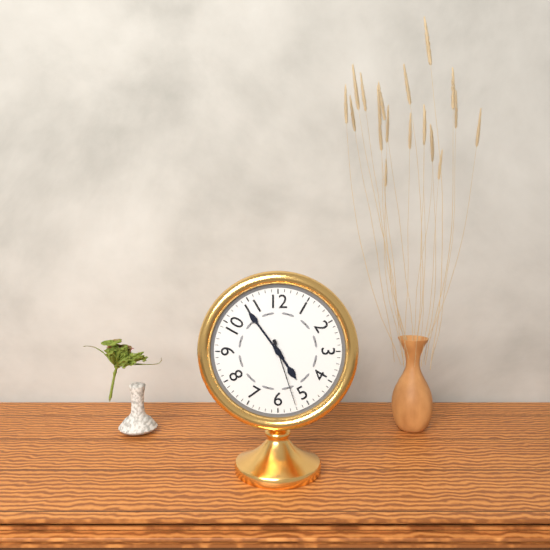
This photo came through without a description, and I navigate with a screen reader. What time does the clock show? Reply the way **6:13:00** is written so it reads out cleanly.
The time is **4:54:27**
